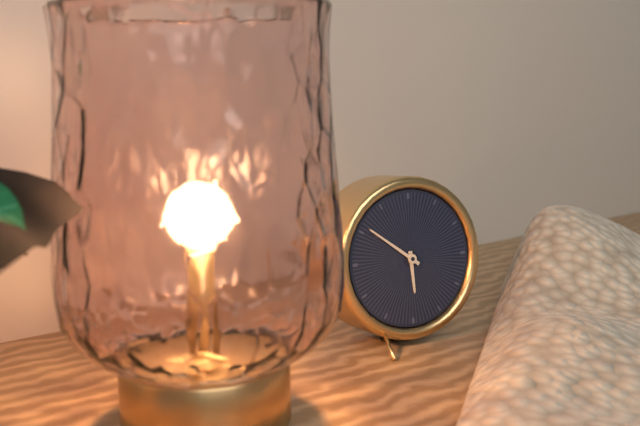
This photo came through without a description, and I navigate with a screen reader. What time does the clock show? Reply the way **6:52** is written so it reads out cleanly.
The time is **5:51**
